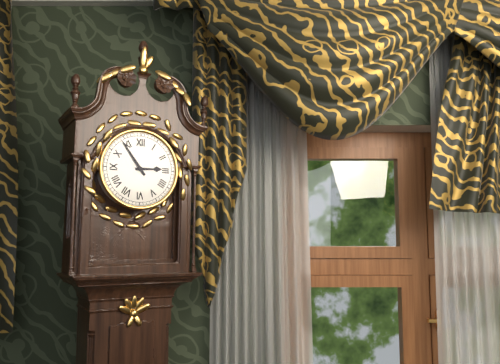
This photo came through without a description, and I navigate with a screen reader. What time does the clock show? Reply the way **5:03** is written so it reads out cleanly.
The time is **2:54**
